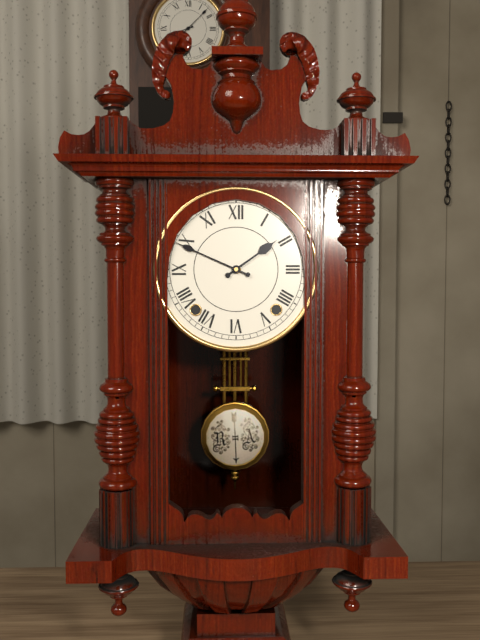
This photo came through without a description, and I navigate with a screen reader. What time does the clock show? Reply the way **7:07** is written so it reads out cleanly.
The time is **1:49**
